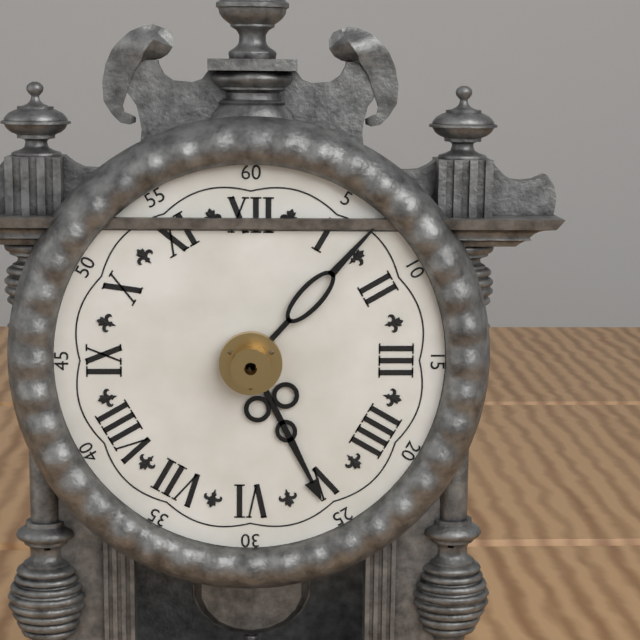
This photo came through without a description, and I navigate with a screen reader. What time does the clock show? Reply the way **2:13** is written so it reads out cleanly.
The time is **5:07**
